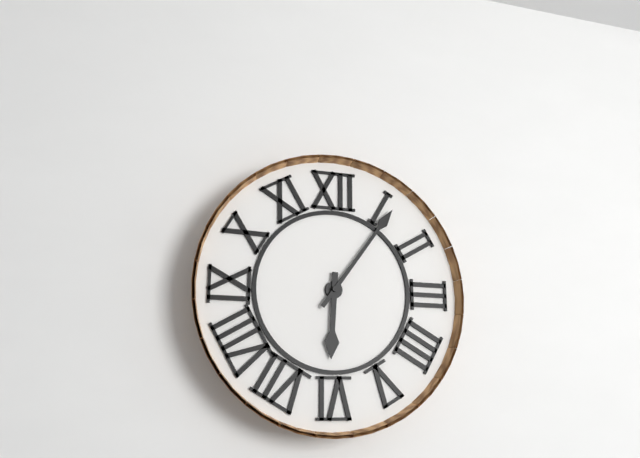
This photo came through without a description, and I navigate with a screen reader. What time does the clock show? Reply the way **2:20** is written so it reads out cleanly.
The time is **6:06**
